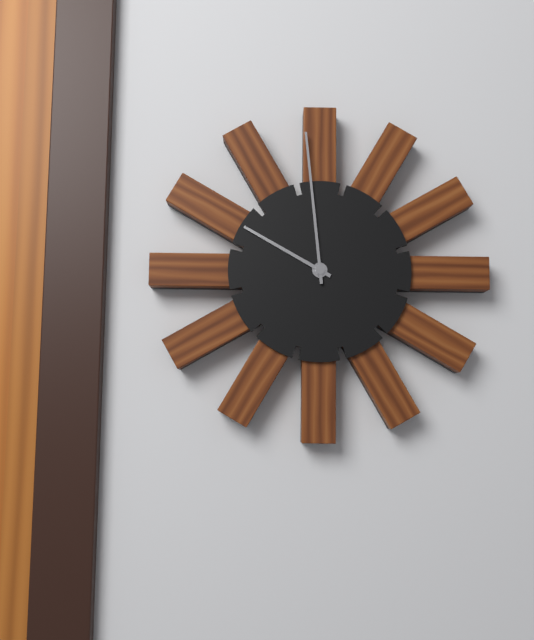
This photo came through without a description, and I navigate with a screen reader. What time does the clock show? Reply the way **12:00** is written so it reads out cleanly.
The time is **9:59**
